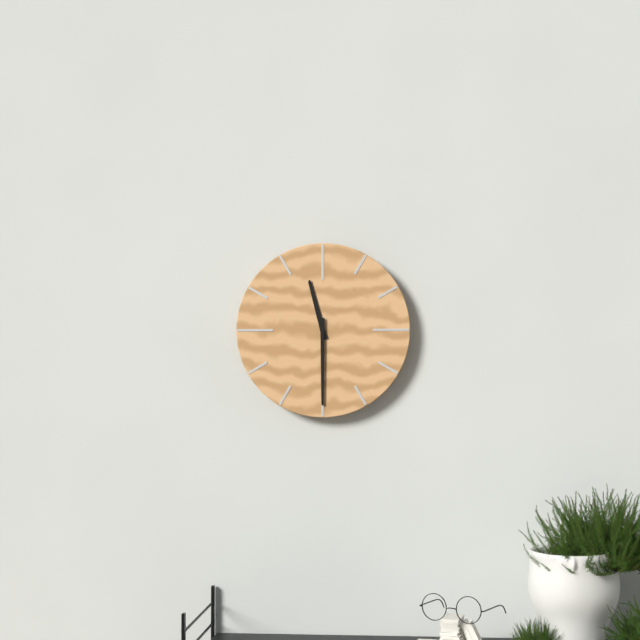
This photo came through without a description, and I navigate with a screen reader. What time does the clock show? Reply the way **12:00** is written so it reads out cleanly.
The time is **11:30**
